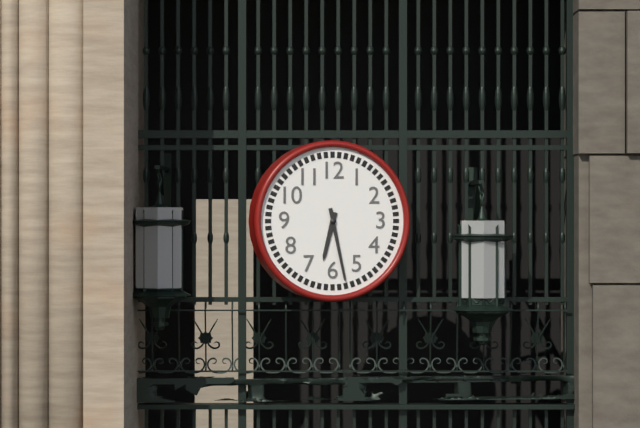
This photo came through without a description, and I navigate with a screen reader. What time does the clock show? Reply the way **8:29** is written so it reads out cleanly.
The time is **6:28**
